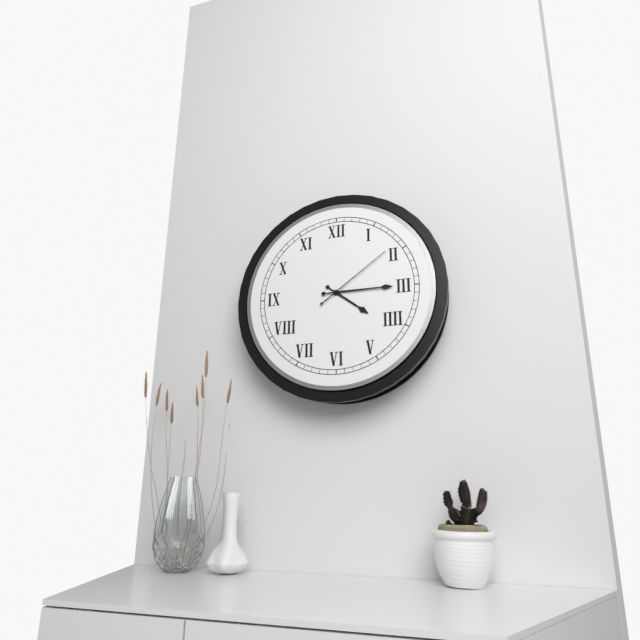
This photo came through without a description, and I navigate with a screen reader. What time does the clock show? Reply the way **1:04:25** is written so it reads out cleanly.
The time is **4:15:09**
